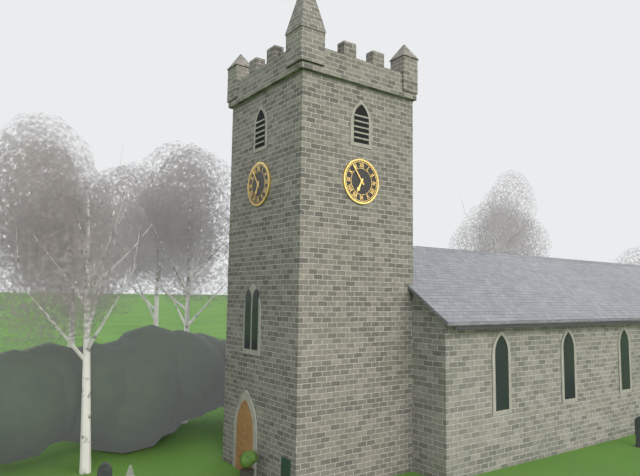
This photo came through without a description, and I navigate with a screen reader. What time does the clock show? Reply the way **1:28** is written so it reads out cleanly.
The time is **6:54**
